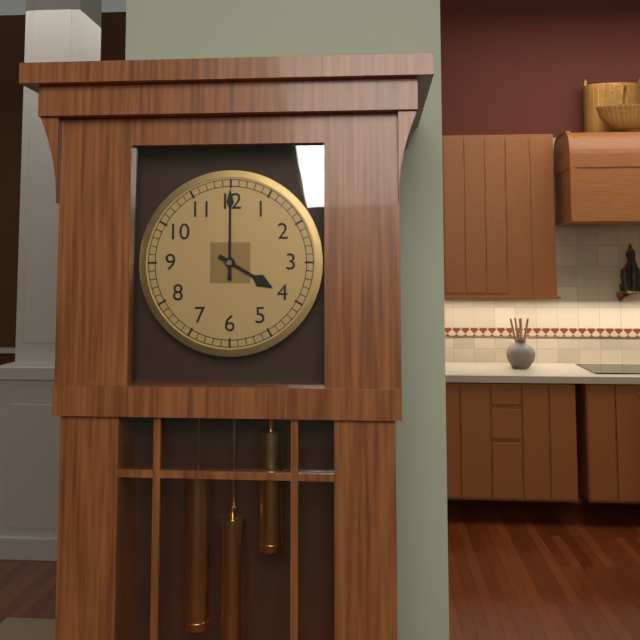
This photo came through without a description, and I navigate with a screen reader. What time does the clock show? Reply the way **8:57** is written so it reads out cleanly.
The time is **4:00**
